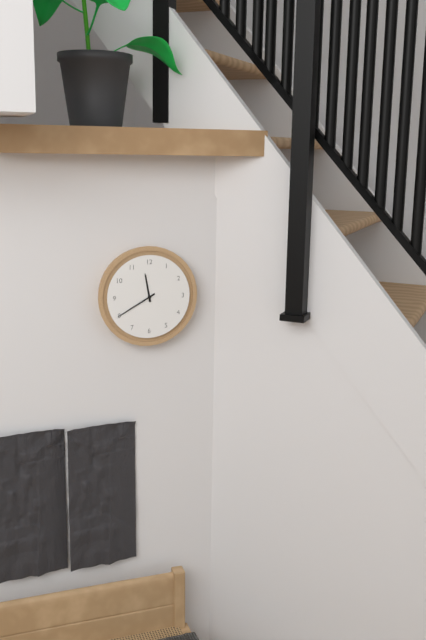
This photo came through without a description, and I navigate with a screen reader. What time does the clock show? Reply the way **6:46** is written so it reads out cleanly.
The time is **11:40**
